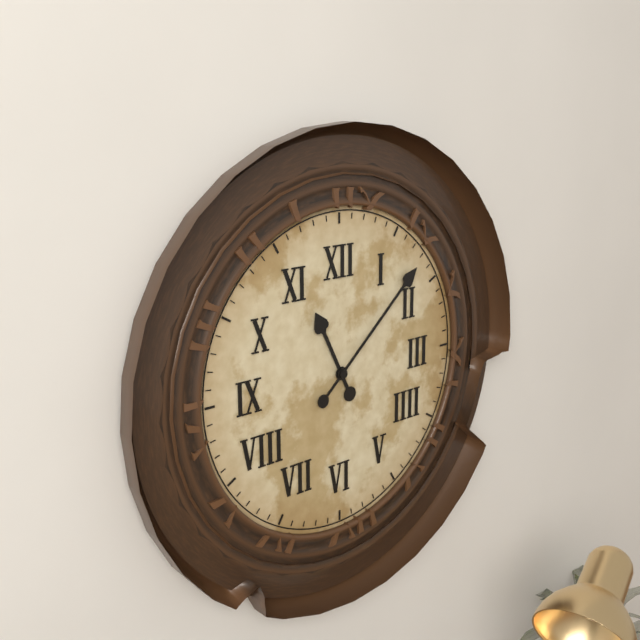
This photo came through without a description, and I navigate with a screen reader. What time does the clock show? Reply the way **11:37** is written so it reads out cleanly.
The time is **11:08**
